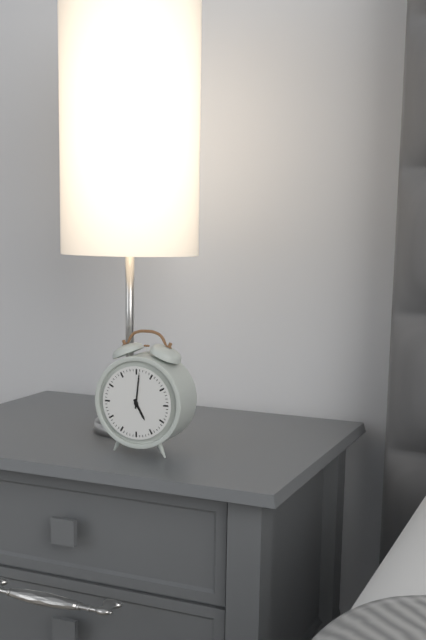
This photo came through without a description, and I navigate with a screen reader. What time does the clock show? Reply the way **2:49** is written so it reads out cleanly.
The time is **5:01**
